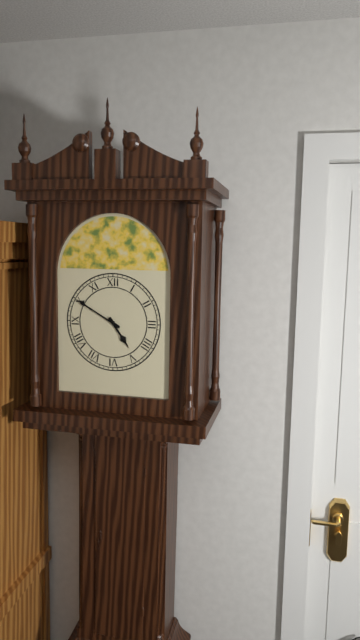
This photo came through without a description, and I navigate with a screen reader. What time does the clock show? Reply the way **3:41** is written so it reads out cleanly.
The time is **4:50**
